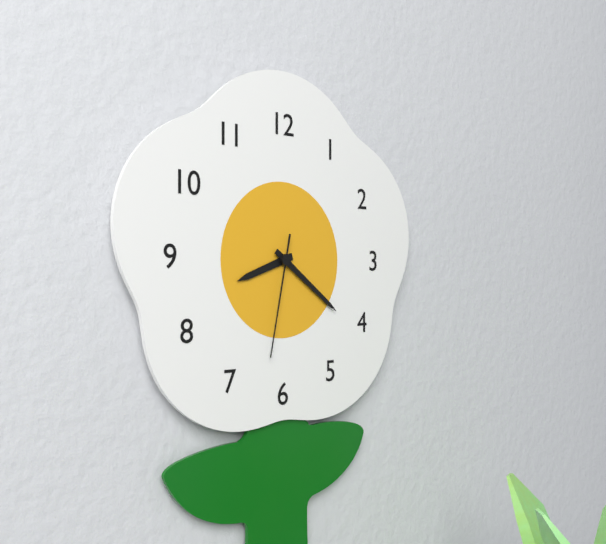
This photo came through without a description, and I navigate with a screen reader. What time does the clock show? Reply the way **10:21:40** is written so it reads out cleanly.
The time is **8:21:32**
